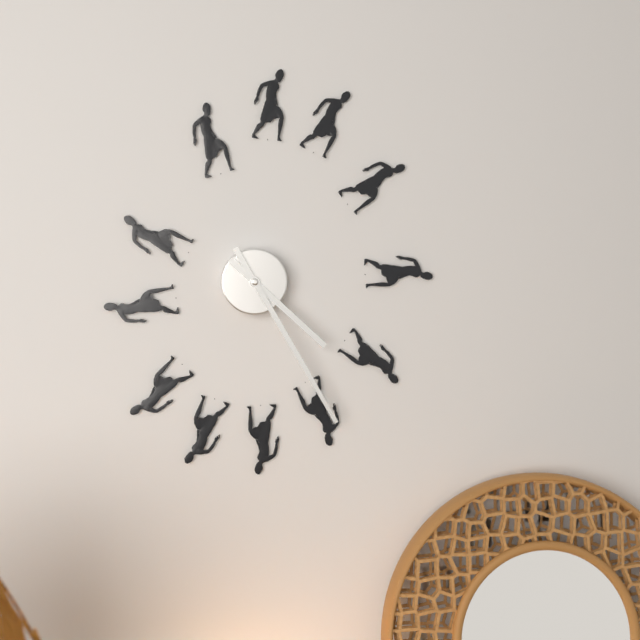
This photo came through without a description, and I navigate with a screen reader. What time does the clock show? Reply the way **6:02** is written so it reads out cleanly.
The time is **4:25**
